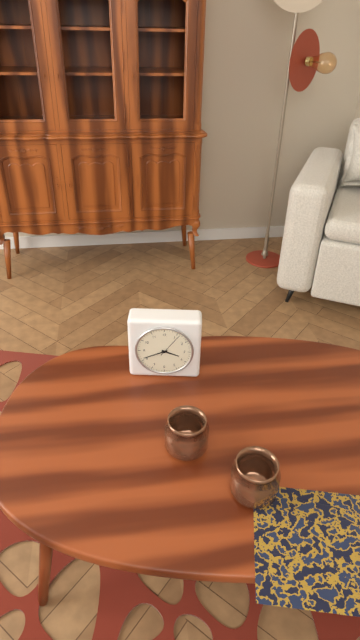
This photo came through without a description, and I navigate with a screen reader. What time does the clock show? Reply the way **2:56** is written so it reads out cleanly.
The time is **3:41**
